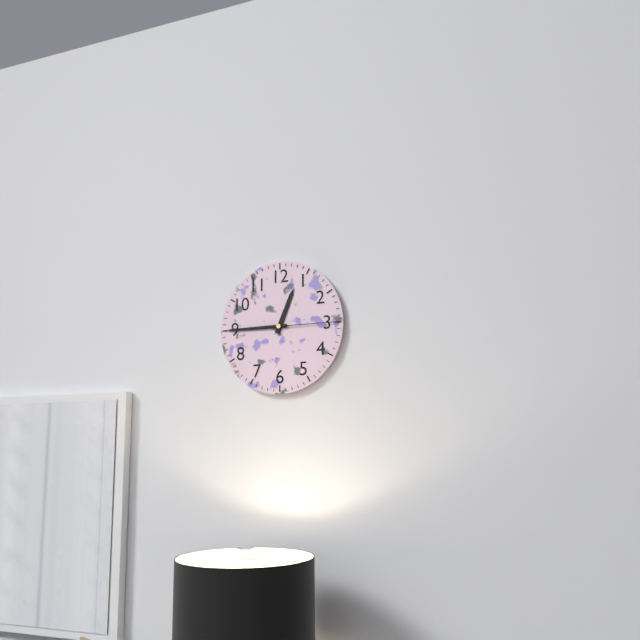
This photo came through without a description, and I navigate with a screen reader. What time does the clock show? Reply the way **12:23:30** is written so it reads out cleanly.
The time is **12:45:15**
